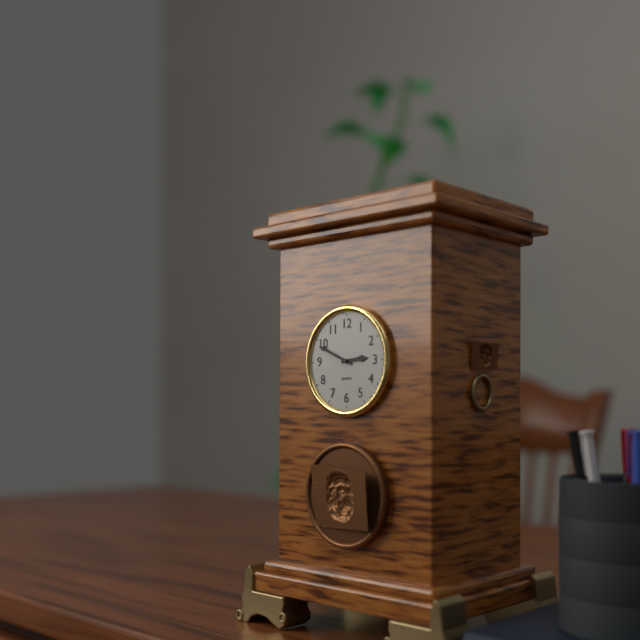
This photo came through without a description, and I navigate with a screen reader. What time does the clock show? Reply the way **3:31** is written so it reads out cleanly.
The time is **2:49**
